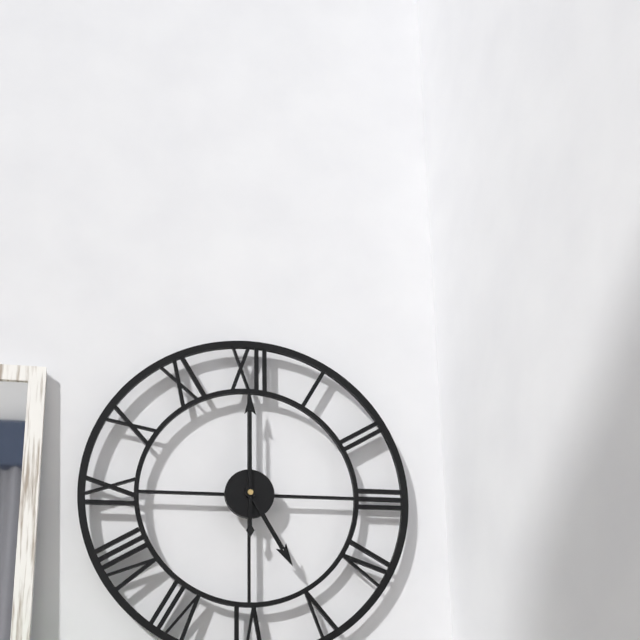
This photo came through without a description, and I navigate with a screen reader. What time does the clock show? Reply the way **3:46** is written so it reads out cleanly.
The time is **5:00**
